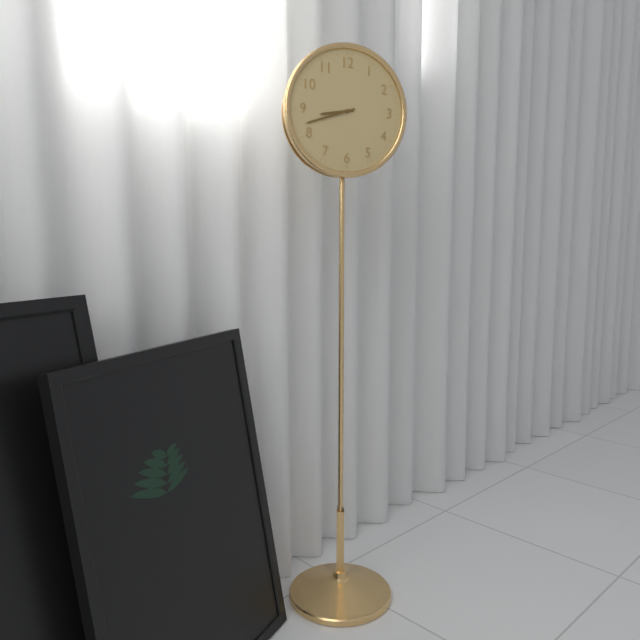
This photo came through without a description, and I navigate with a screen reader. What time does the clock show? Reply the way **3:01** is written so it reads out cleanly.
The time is **8:42**
